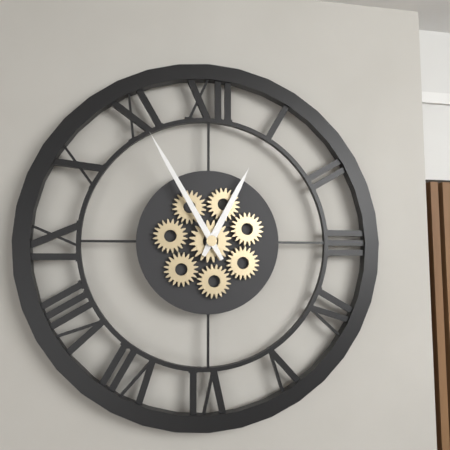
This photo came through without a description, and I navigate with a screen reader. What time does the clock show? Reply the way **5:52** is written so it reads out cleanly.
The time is **12:55**
